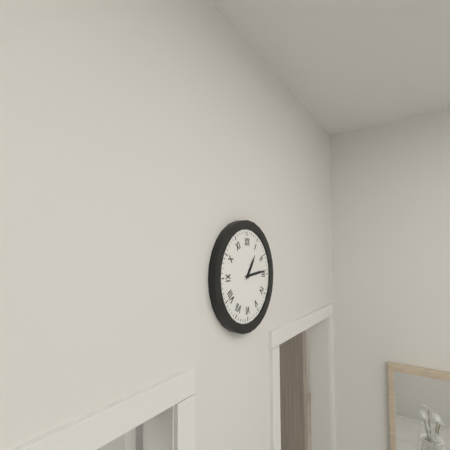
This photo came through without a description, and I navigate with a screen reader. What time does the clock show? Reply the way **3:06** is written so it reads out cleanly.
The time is **1:14**
